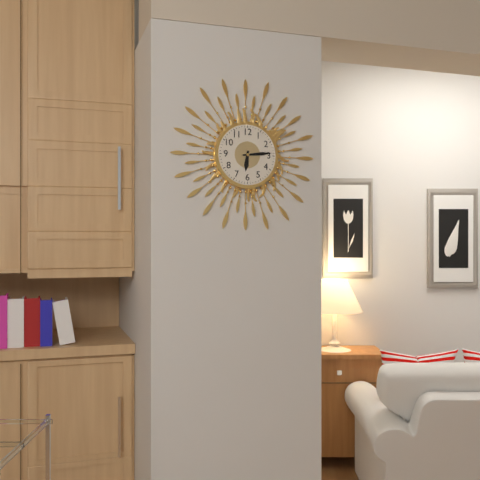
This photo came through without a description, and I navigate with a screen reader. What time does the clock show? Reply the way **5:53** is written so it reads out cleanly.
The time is **6:14**
